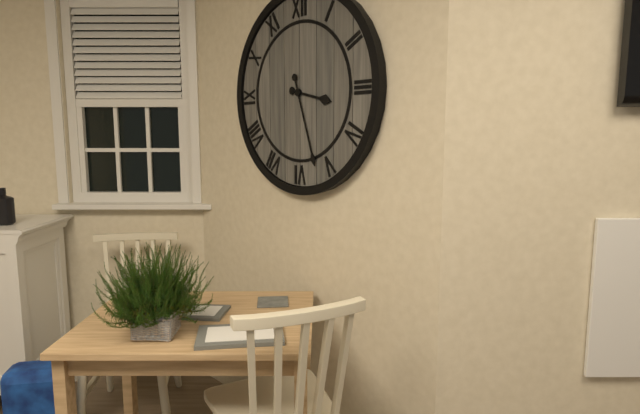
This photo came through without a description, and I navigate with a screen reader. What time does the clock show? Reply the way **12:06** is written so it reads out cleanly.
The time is **3:27**
